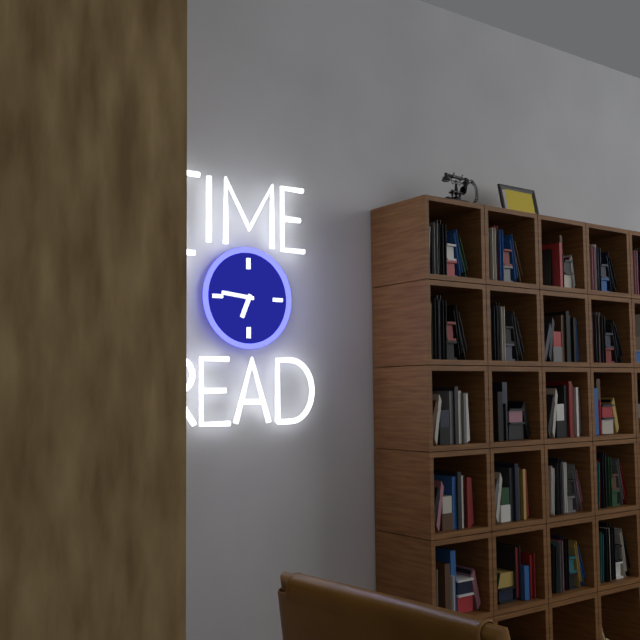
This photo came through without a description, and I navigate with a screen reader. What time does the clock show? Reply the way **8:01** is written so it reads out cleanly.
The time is **6:46**
